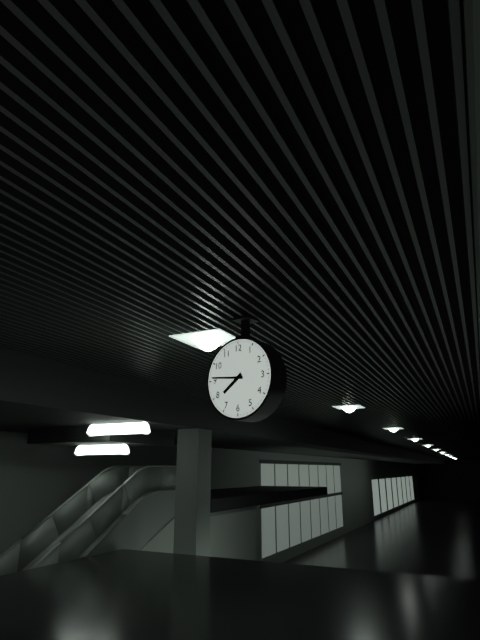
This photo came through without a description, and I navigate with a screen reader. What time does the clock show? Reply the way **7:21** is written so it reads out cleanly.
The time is **7:46**
